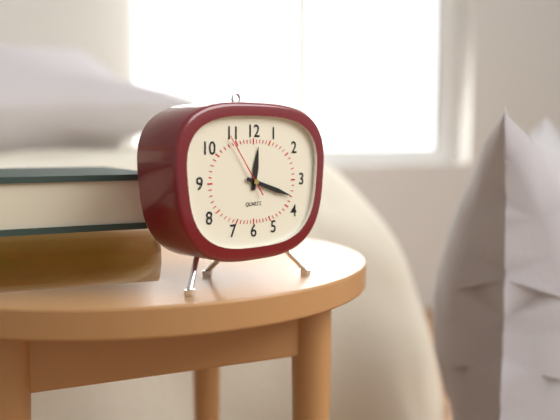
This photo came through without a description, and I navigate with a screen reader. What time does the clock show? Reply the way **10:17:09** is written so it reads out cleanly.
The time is **12:18:54**
